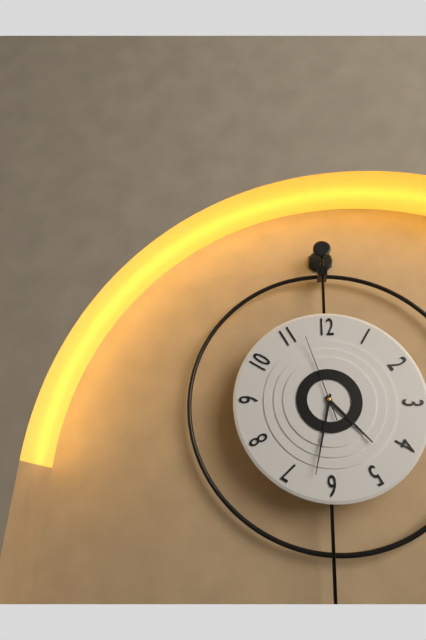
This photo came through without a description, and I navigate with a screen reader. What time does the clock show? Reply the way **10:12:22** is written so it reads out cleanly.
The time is **4:32:57**
